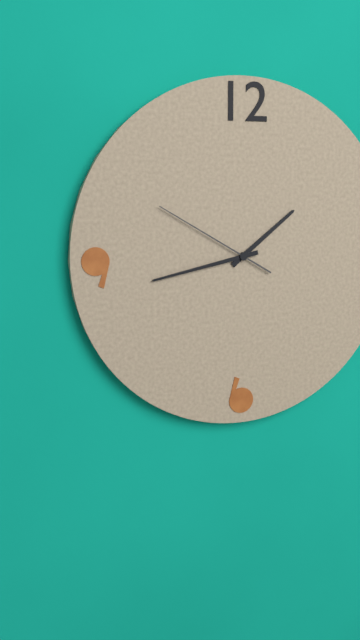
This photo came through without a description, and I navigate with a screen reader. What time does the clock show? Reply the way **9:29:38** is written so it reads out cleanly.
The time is **1:43:50**
